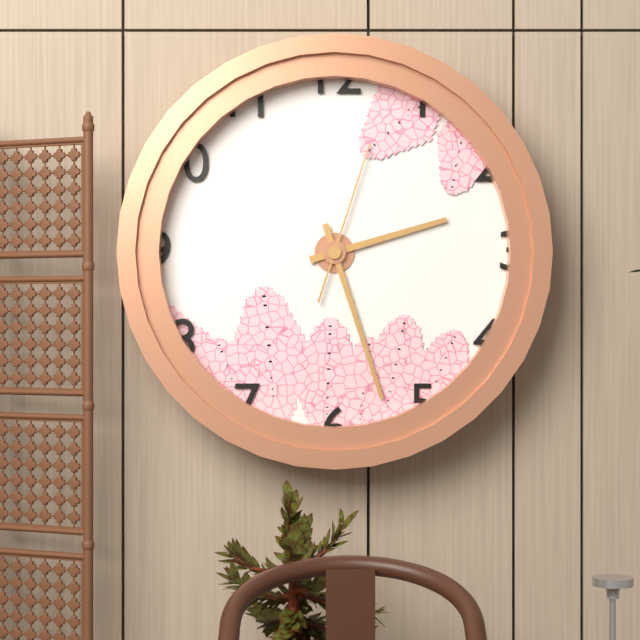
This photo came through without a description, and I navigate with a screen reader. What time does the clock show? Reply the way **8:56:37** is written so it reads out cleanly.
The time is **2:27:03**
